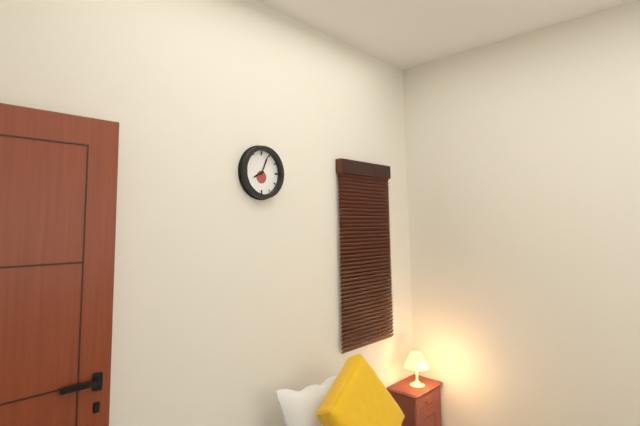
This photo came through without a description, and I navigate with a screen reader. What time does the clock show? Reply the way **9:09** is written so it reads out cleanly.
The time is **8:04**
